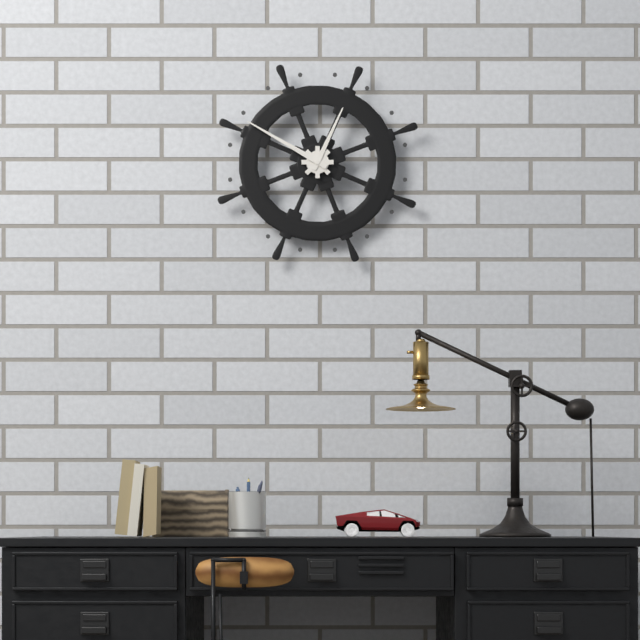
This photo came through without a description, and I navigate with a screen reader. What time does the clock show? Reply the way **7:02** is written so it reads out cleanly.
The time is **12:50**
